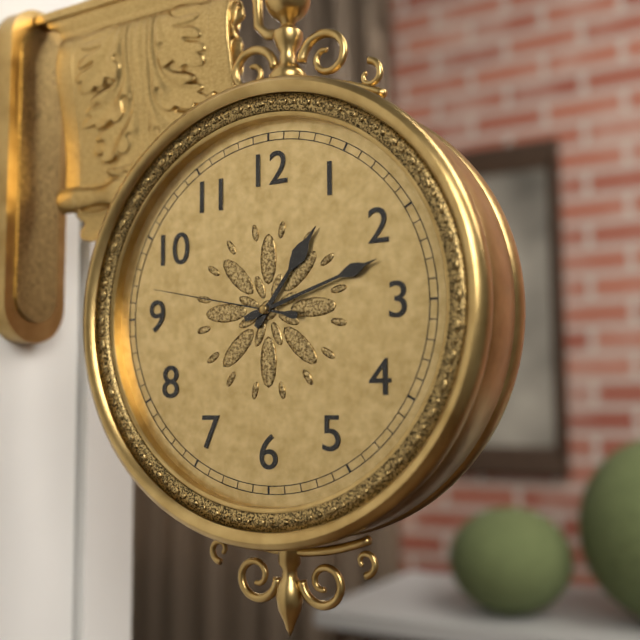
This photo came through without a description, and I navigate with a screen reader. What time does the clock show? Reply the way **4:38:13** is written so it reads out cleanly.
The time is **1:12:47**
